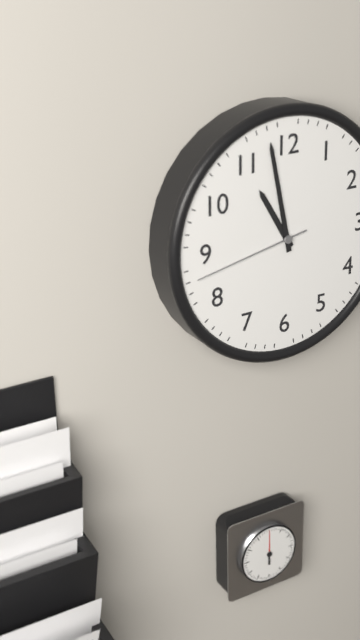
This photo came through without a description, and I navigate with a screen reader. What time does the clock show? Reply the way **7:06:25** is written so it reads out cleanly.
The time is **10:58:43**
